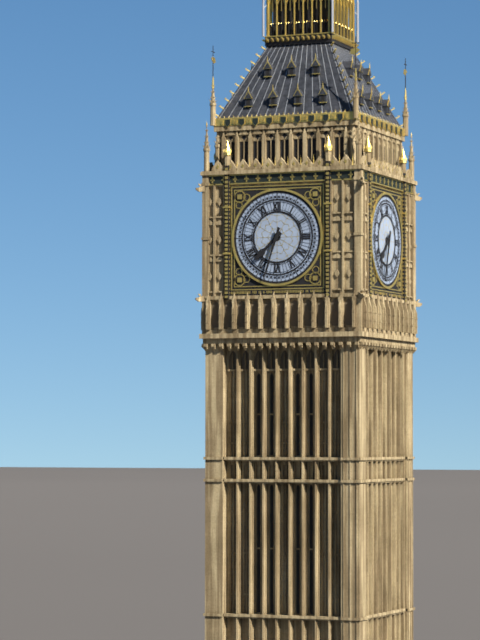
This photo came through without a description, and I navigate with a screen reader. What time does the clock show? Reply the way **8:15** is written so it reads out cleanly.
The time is **7:33**
